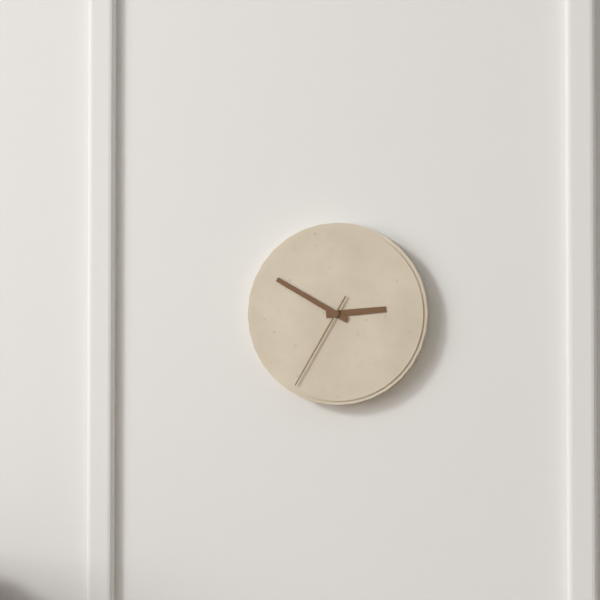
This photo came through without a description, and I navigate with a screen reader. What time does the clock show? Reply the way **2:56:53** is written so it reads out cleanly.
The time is **2:50:35**
